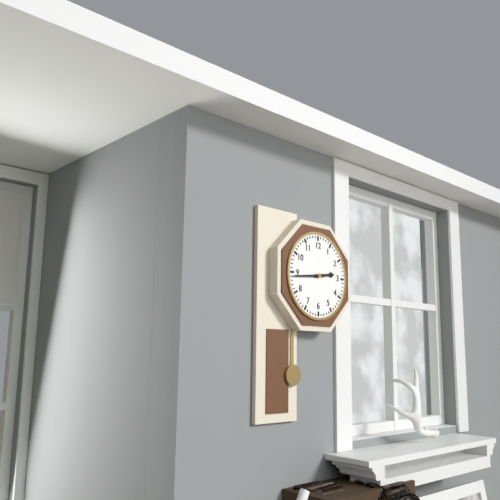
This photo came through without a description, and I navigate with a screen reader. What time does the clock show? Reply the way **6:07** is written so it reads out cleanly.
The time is **2:44**
